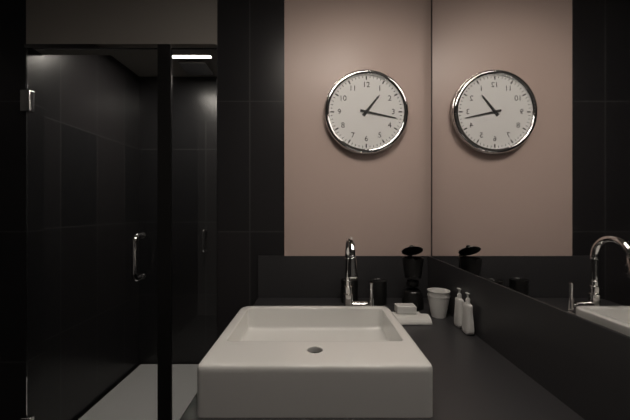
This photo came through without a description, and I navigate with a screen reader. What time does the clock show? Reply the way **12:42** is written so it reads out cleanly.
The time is **1:17**
